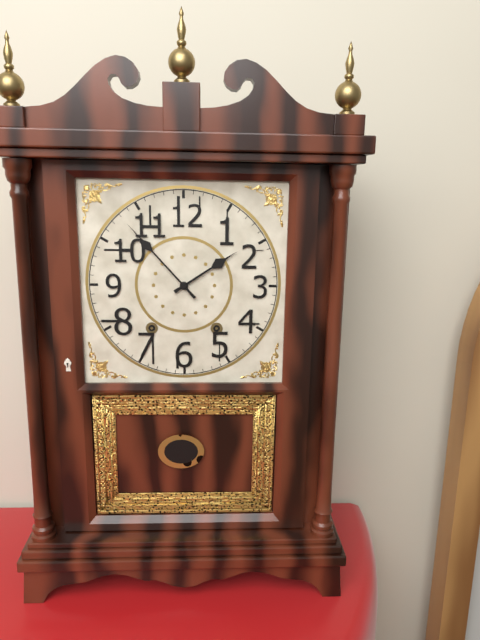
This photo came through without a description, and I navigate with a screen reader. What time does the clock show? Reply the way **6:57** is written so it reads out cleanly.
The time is **1:53**
